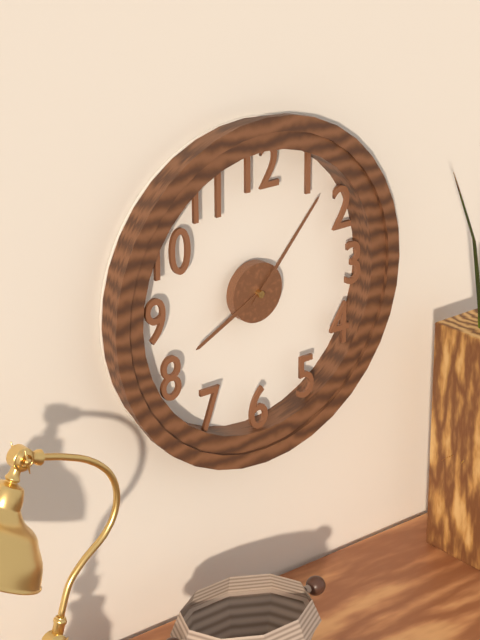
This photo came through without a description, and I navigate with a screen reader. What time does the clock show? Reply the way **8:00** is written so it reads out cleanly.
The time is **8:07**
